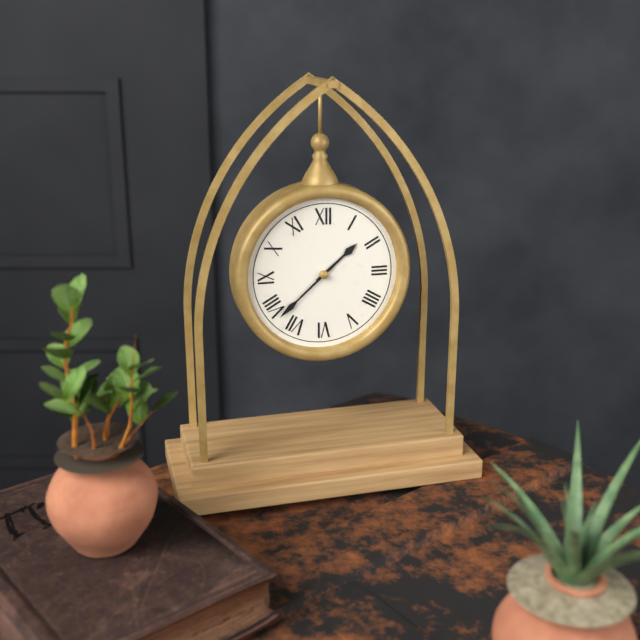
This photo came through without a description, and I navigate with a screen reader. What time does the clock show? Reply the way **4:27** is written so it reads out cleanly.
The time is **1:38**
